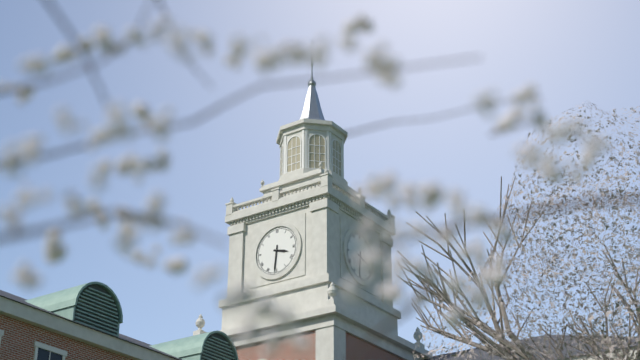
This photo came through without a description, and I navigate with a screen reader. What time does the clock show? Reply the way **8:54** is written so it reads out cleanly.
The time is **3:31**
